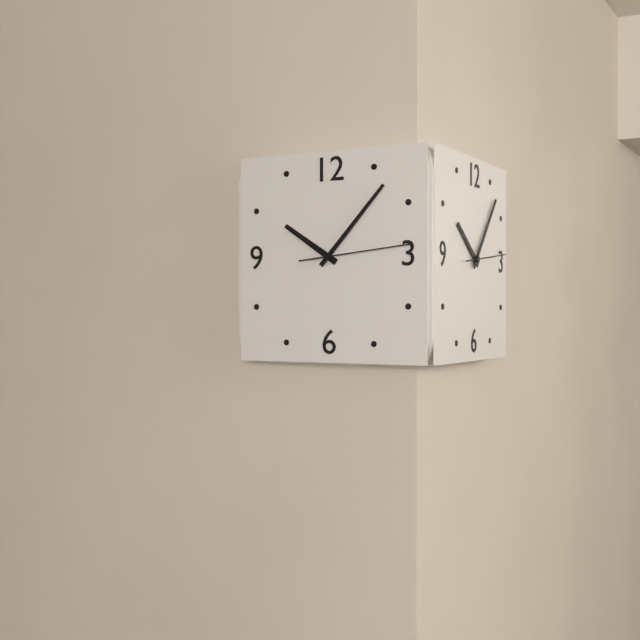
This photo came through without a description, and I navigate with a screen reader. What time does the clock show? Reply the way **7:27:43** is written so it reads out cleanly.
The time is **10:07:14**
